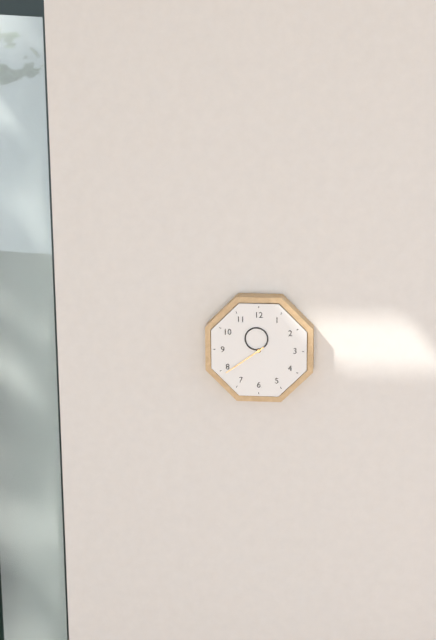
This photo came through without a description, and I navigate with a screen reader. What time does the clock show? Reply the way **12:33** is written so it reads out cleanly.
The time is **11:39**
